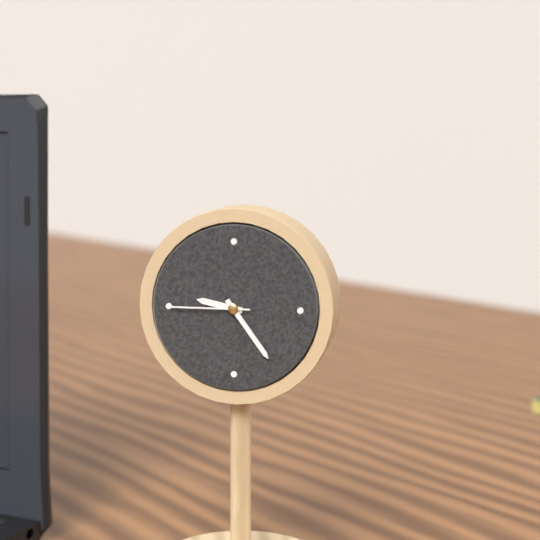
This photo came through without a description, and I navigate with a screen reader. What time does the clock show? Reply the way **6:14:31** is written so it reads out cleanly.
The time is **9:24:45**
